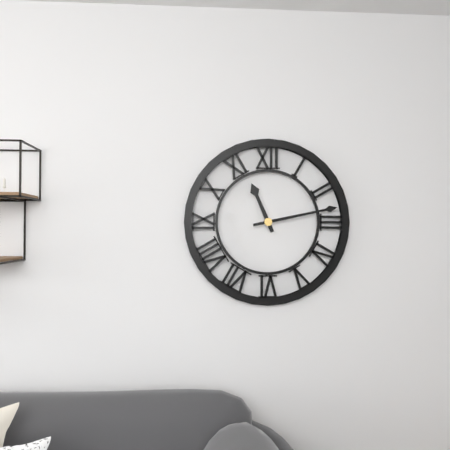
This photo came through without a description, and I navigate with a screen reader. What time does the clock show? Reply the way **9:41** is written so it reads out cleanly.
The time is **11:13**
